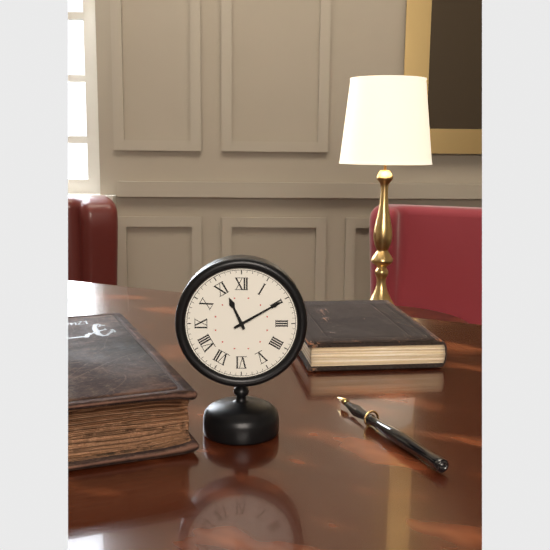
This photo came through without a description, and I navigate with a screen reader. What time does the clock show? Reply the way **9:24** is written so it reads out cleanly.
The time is **11:10**
